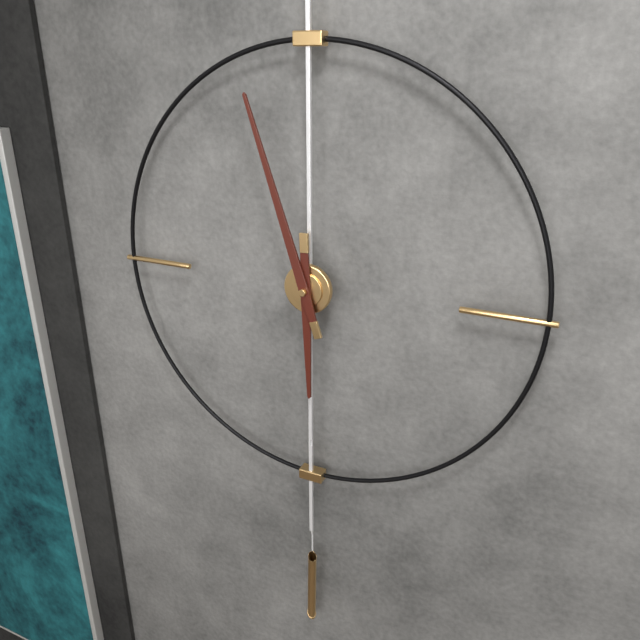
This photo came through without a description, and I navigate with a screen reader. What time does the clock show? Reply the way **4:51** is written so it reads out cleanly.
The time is **5:57**
